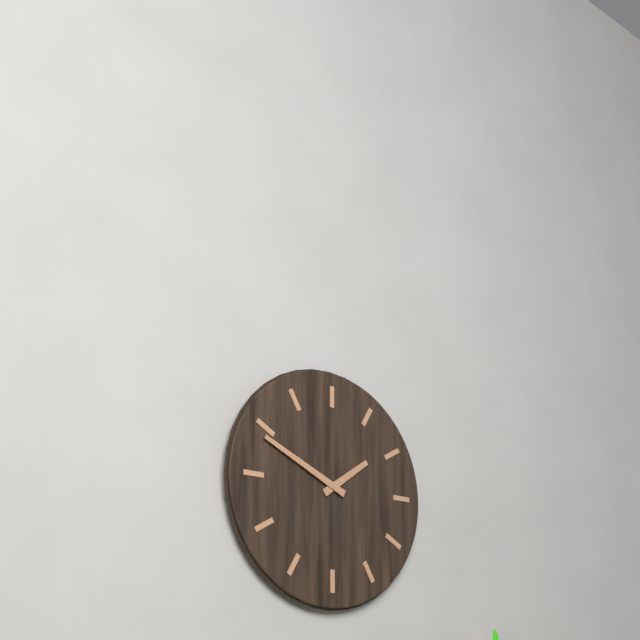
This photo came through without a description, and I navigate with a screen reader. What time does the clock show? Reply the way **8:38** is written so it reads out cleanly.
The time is **1:49**
